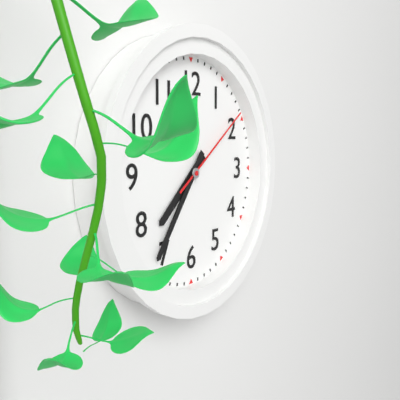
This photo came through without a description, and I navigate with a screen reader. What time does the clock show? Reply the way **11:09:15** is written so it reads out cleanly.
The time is **7:36:09**
